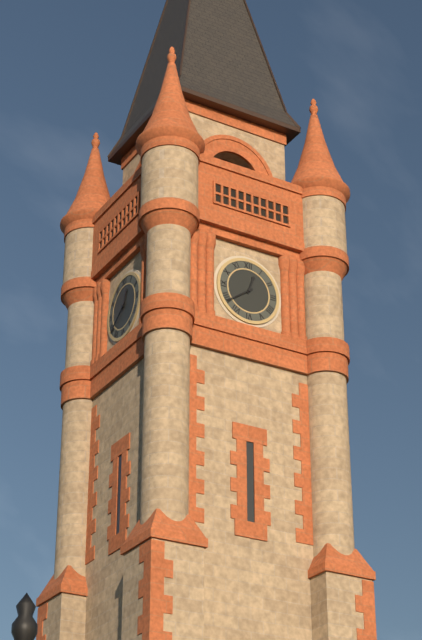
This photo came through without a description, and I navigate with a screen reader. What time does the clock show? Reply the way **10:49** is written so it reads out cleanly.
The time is **12:39**
